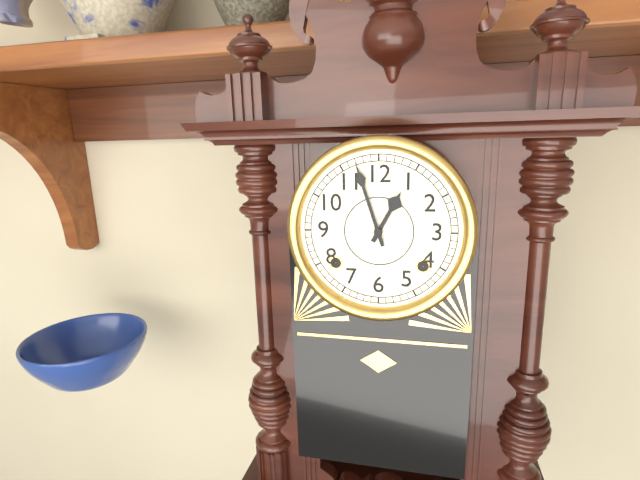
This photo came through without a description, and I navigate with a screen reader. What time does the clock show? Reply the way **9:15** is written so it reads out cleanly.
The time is **12:57**
